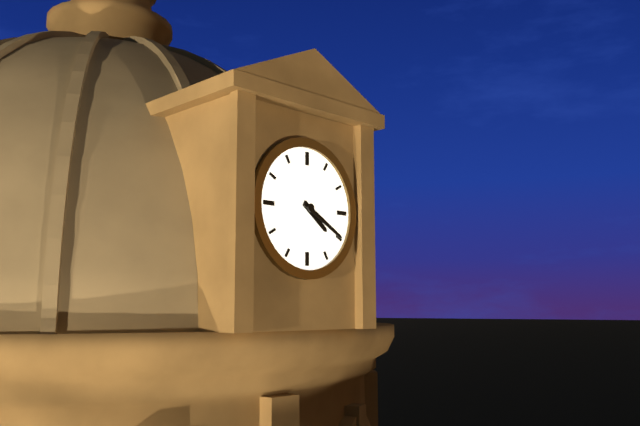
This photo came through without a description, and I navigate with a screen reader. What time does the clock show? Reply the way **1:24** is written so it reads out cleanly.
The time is **4:20**
